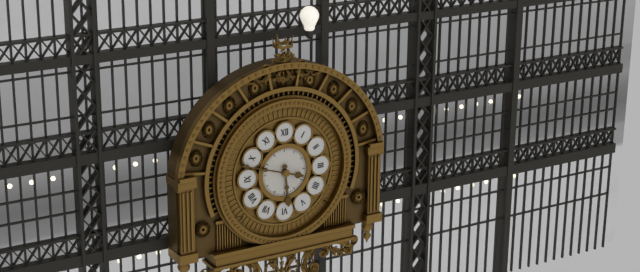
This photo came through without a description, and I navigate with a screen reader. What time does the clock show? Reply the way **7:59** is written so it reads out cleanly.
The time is **5:48**
